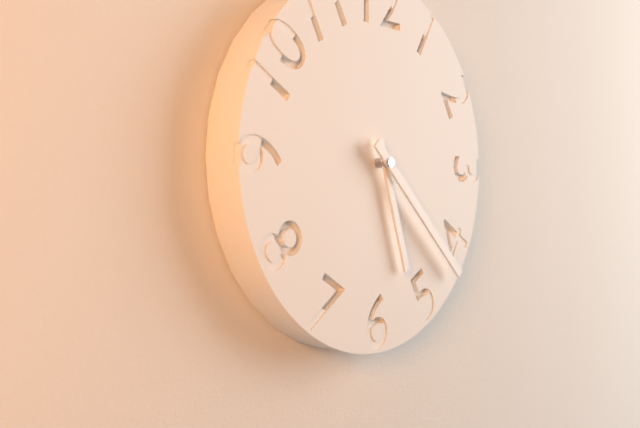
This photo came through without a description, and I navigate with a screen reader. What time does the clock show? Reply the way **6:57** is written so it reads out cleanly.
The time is **5:22**
